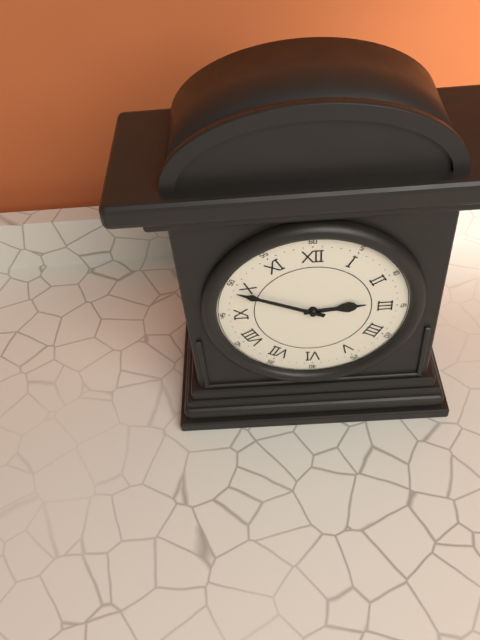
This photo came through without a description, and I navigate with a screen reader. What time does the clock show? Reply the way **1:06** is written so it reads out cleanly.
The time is **2:49**
